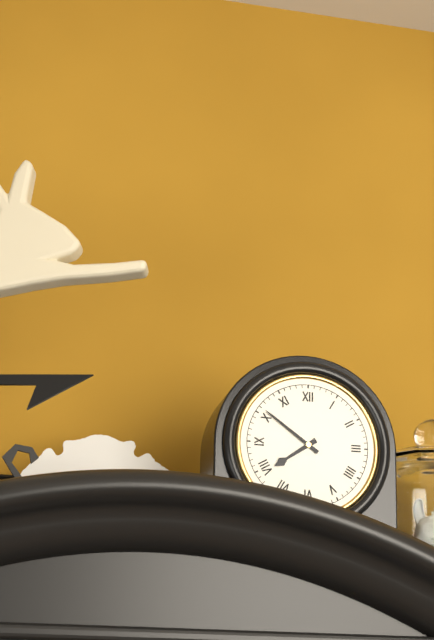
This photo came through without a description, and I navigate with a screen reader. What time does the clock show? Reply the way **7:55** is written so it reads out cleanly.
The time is **7:51**
